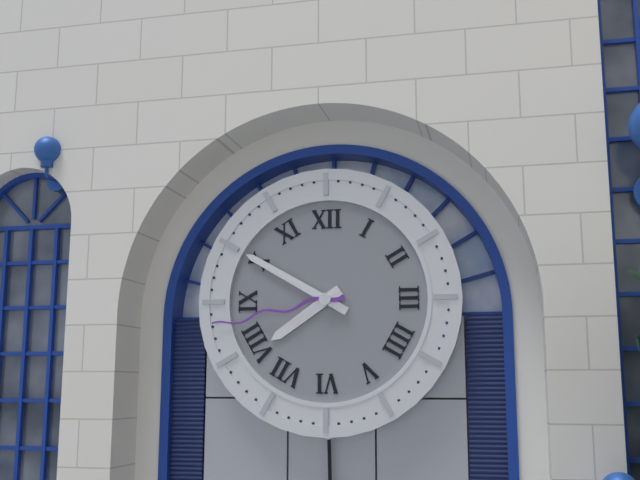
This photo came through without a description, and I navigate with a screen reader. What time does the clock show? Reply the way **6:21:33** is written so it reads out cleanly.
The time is **7:50:43**
